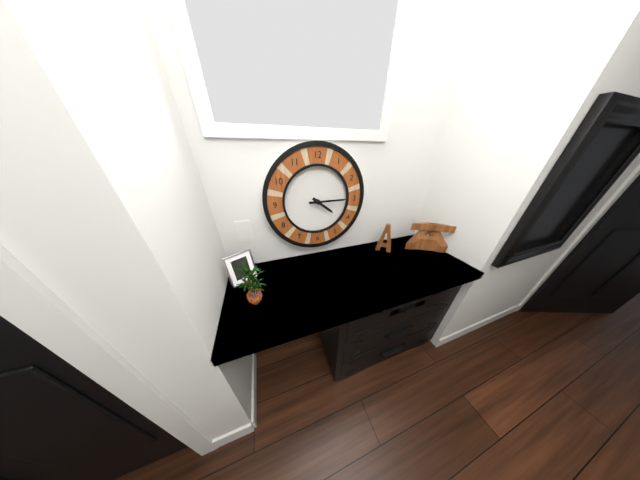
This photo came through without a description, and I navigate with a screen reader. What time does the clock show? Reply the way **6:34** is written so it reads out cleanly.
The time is **4:15**
